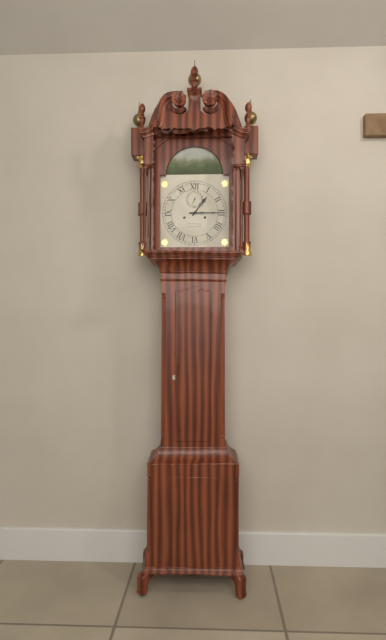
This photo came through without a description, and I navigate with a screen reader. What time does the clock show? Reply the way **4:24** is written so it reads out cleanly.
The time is **1:15**
